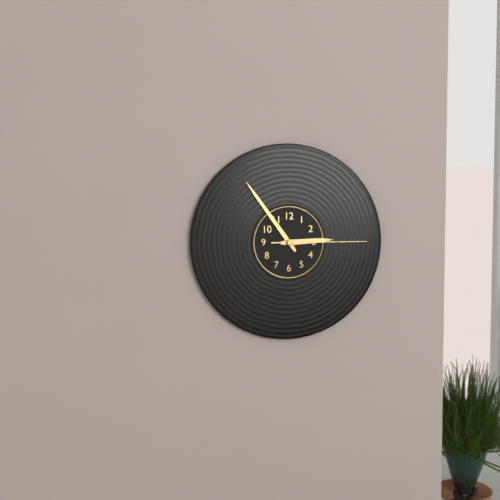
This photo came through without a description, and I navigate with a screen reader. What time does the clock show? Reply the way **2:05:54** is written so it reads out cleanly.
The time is **2:54:15**
